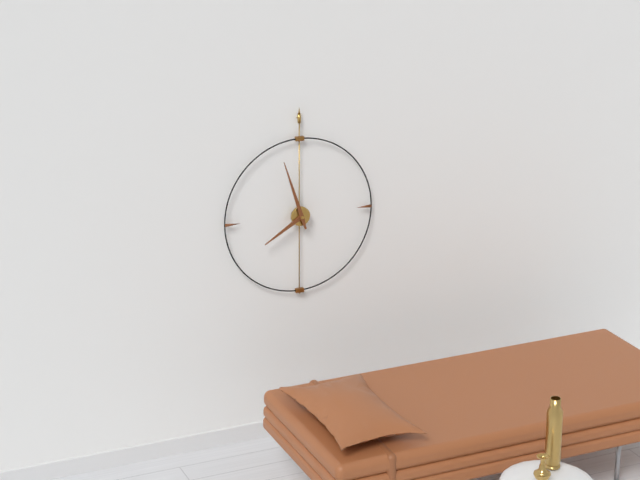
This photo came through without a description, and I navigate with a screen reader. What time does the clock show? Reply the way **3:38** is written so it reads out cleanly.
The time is **7:57**
